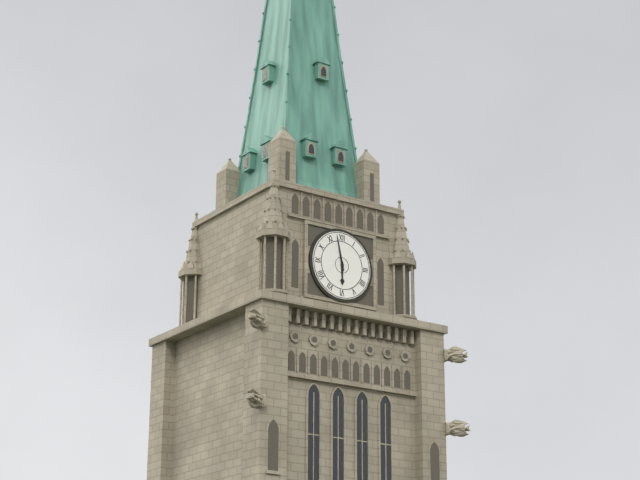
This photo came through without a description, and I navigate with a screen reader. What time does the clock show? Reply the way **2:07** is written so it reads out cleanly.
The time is **5:58**
